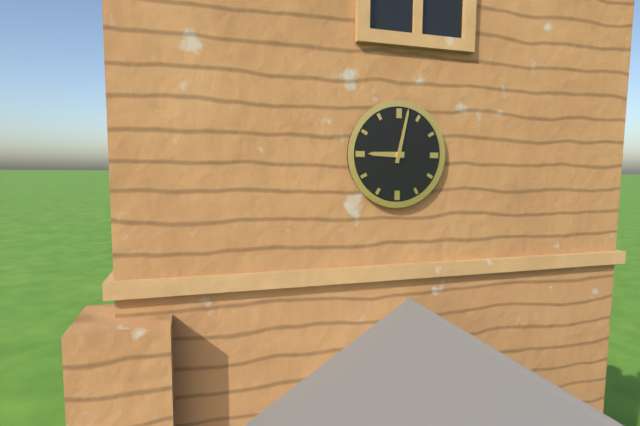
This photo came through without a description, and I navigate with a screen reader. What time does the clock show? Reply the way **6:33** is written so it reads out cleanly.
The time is **9:02**
